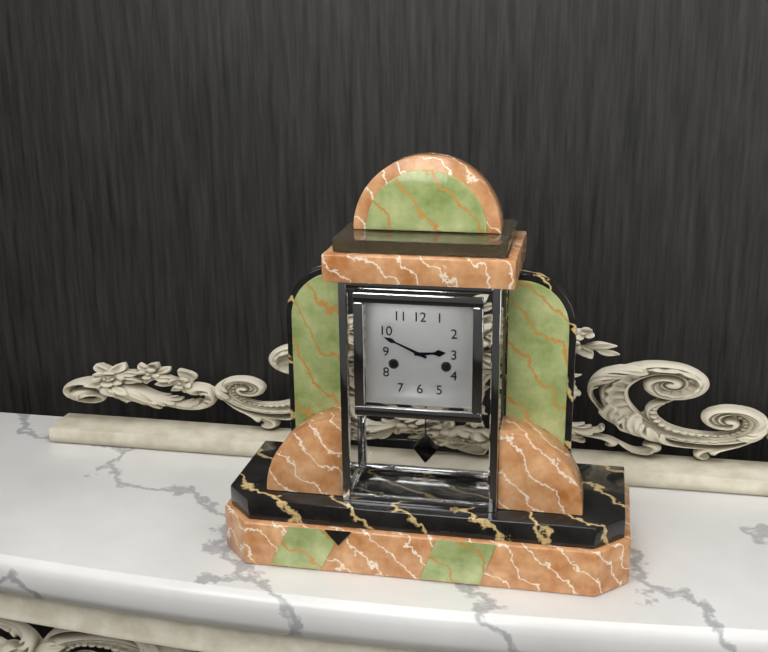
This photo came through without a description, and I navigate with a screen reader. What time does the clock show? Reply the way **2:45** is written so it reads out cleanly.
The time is **2:49**
